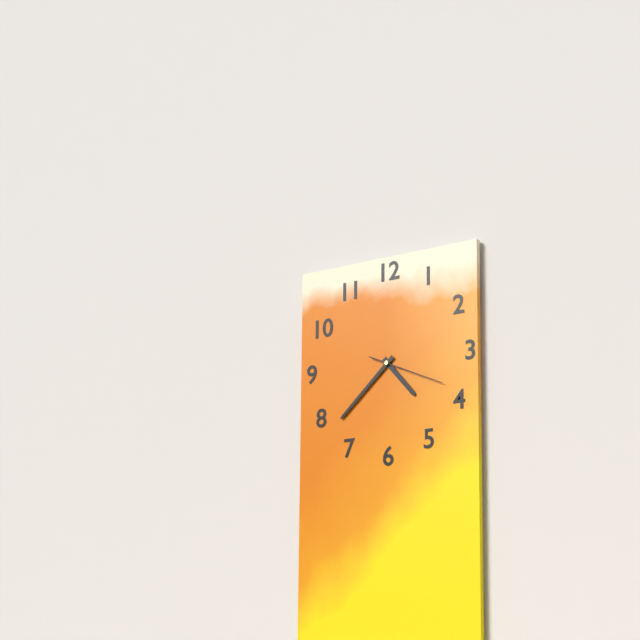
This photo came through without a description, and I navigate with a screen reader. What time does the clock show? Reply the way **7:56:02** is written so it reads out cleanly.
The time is **4:38:19**
